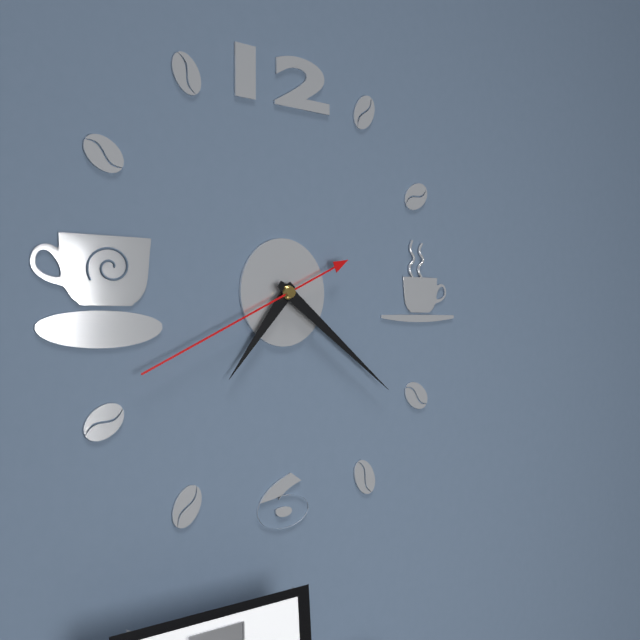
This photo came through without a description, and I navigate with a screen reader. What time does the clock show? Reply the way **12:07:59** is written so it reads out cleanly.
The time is **7:21:41**
